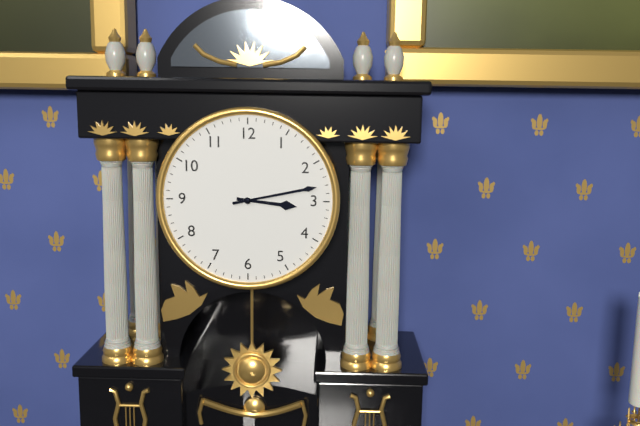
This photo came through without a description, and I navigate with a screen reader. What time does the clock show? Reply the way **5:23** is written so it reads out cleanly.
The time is **3:13**
